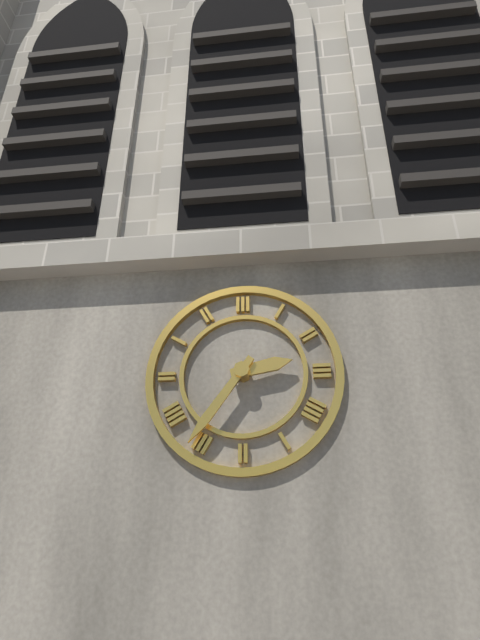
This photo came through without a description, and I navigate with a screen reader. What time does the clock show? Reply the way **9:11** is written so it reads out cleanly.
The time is **2:36**
